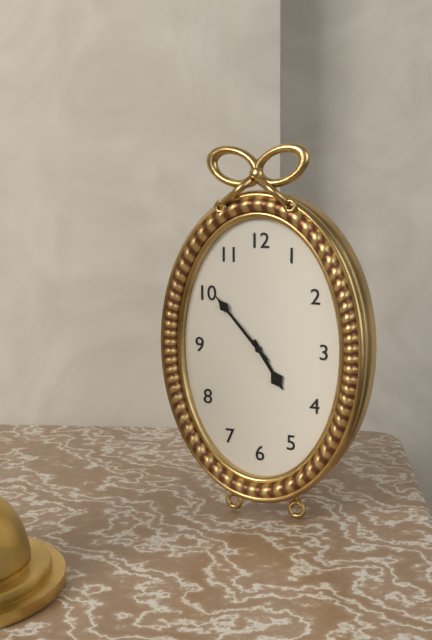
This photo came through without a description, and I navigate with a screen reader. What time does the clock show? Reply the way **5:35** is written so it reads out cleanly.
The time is **4:53**
